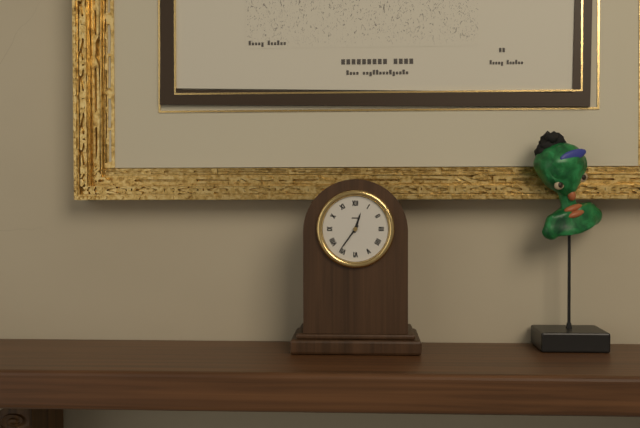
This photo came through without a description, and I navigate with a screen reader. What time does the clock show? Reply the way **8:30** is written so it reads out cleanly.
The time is **12:36**
